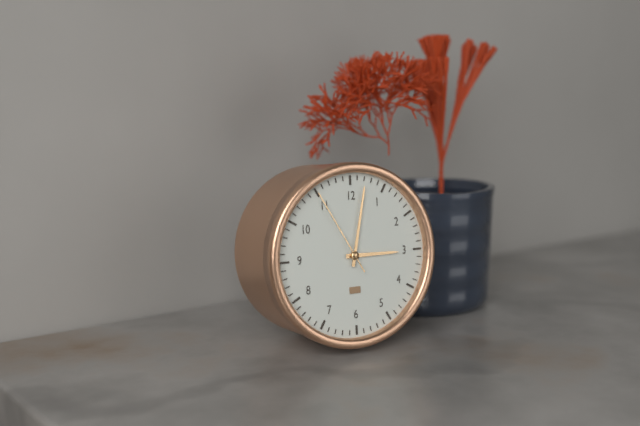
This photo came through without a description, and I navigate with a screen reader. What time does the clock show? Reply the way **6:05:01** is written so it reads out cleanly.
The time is **3:02:55**
